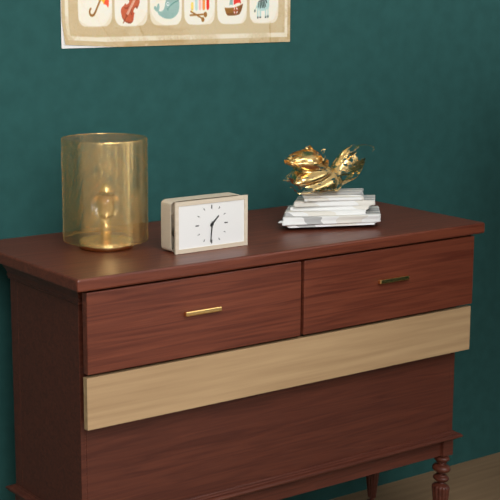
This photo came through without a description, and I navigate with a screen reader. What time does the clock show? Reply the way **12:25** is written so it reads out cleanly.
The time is **1:31**
